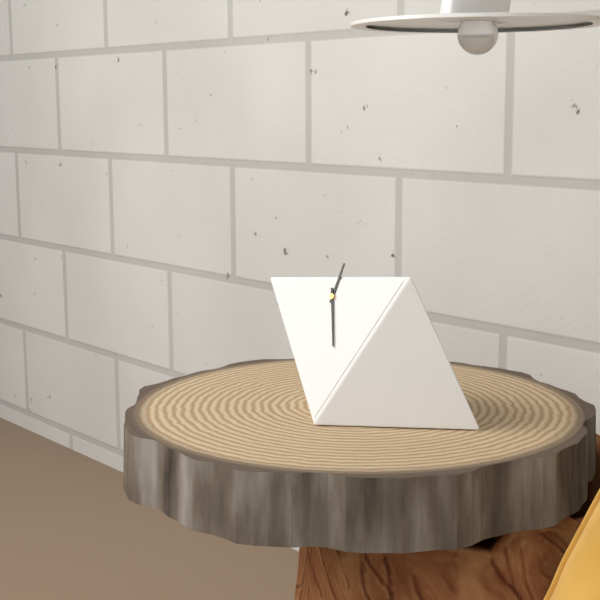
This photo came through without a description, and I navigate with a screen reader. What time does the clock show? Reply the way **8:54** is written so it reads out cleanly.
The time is **12:28**
